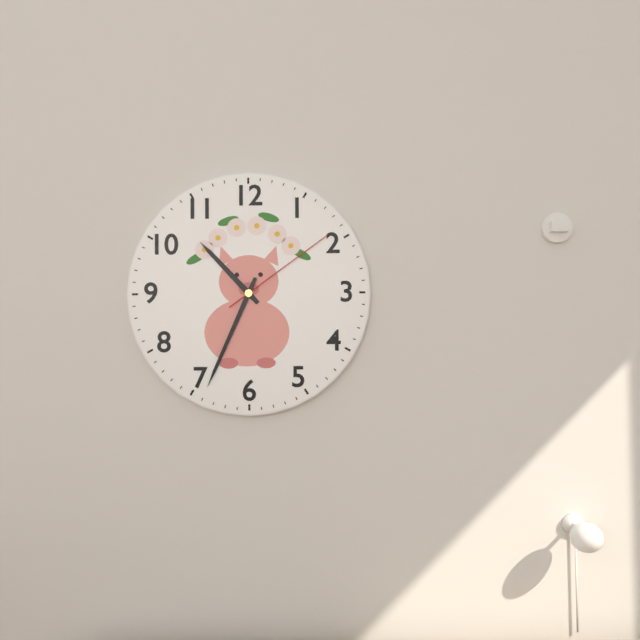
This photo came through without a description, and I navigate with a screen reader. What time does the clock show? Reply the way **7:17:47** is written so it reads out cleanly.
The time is **10:34:09**
